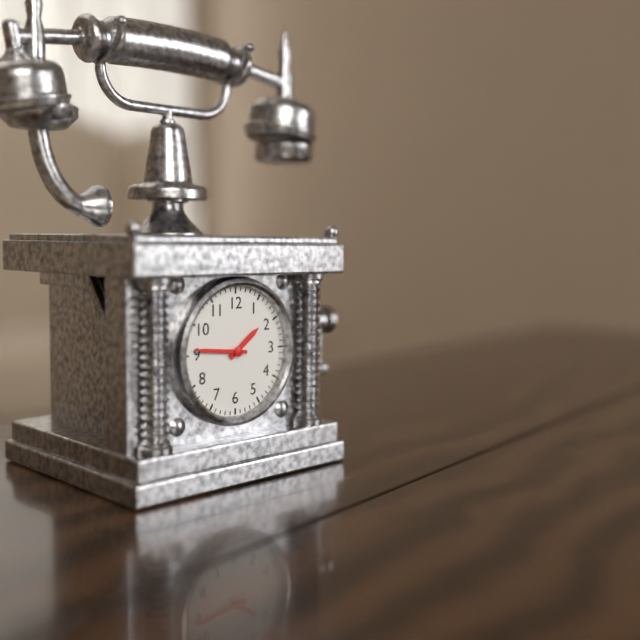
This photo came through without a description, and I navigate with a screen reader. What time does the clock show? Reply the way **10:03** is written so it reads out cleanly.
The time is **1:46**
